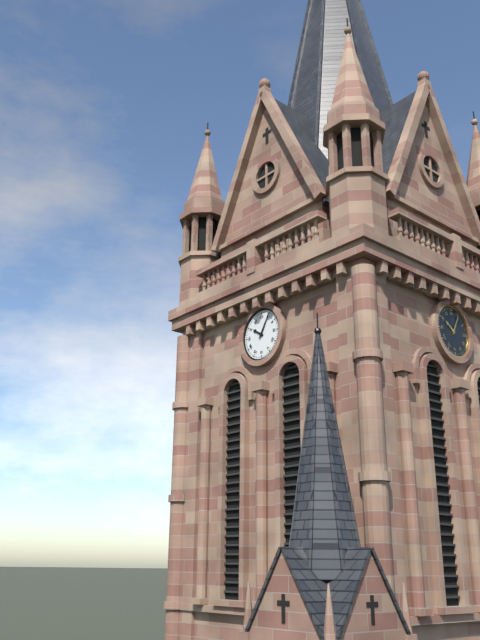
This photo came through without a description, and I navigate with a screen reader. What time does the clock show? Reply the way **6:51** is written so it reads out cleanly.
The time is **10:05**
